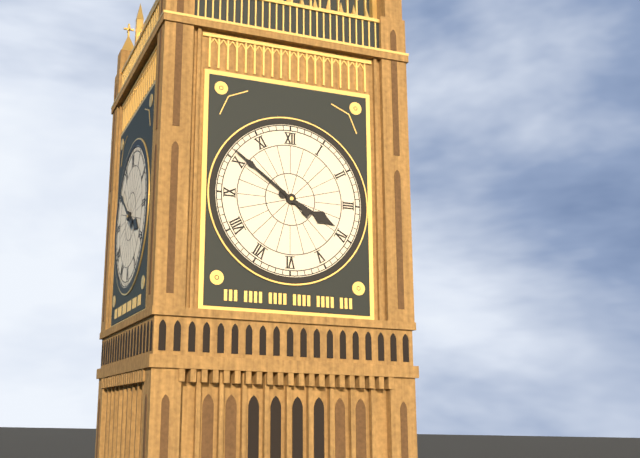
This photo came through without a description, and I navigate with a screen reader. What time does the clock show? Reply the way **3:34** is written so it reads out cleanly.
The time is **3:51**
